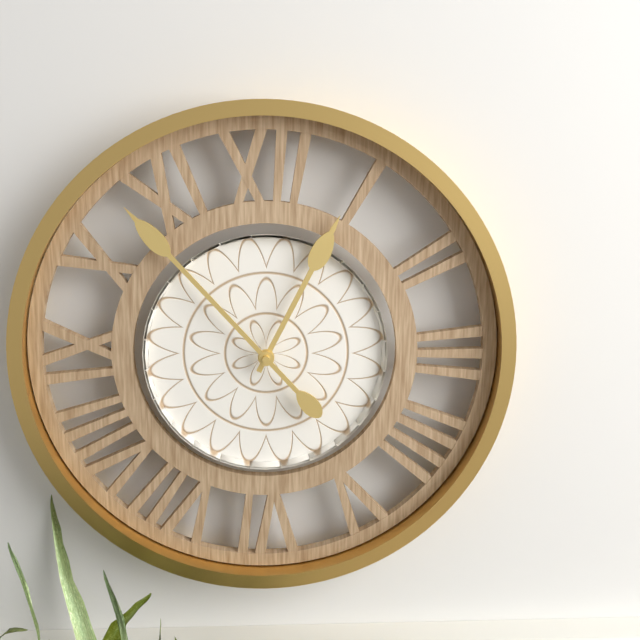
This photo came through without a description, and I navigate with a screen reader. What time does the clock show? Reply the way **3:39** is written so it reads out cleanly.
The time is **12:53**
